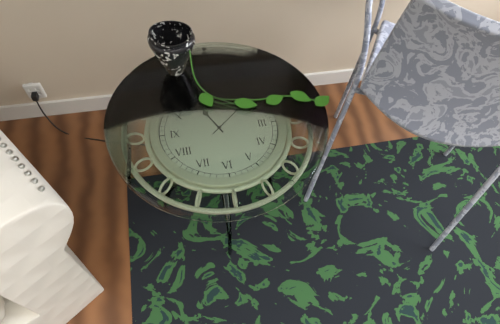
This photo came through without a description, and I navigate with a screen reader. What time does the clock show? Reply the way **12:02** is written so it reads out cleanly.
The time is **11:08**
